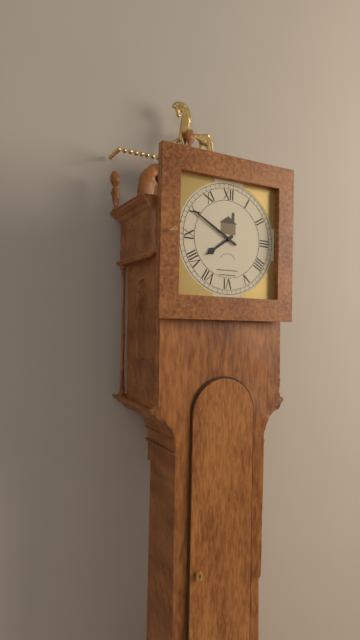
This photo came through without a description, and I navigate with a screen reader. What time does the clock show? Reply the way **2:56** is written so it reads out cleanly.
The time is **7:50**
